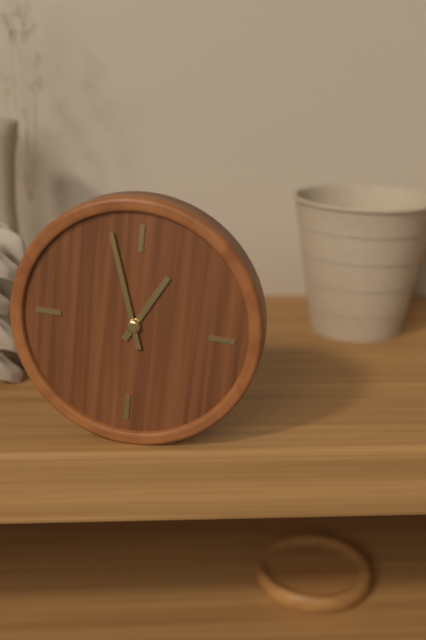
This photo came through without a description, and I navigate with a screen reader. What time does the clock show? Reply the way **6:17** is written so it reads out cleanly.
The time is **12:57**
